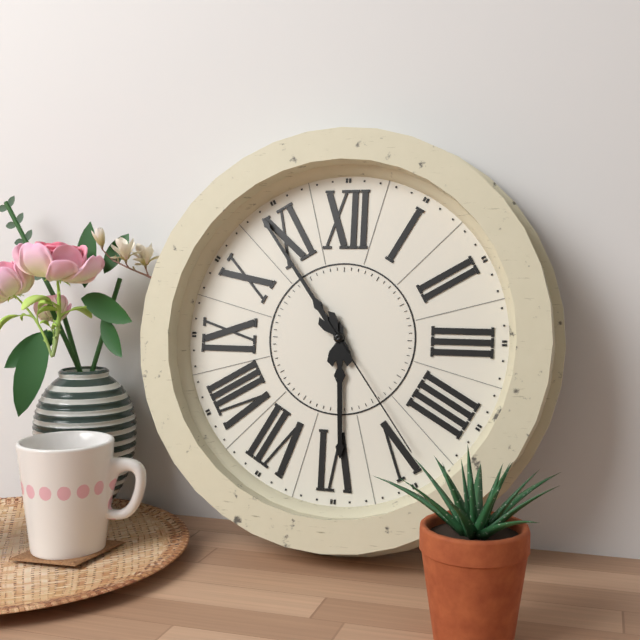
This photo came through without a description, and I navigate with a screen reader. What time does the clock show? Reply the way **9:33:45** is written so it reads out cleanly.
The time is **5:54:24**
